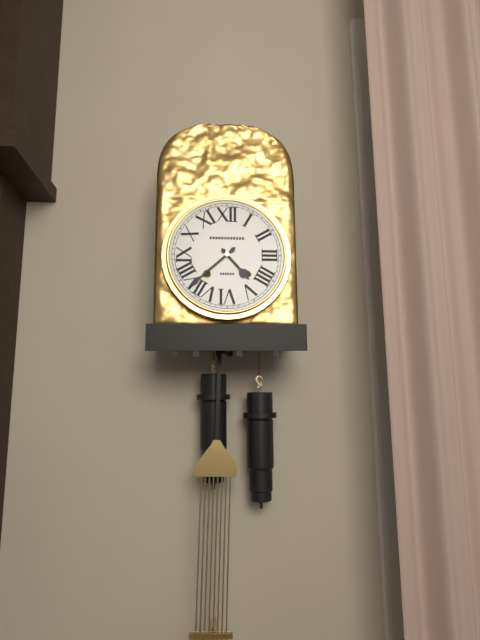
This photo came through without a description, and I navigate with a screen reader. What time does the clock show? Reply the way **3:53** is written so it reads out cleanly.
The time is **4:38**
